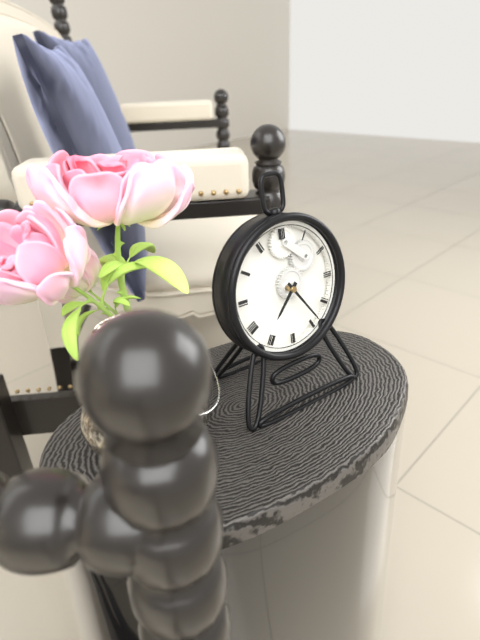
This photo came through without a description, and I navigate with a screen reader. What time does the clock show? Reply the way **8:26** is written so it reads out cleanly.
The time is **7:24**
